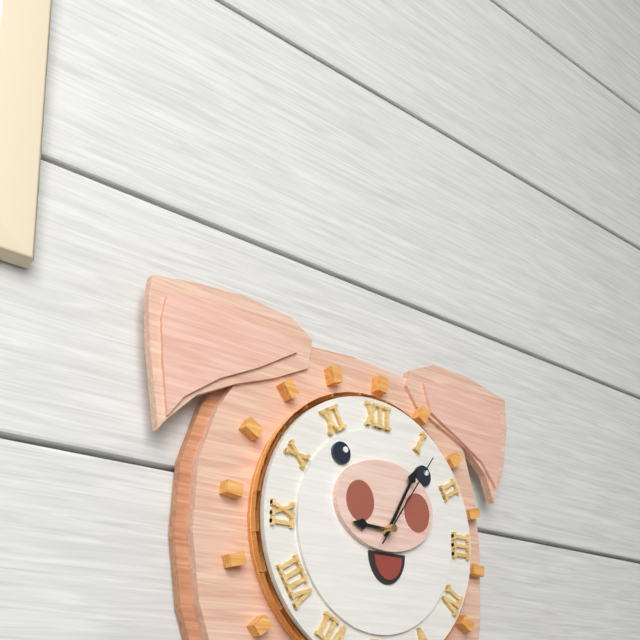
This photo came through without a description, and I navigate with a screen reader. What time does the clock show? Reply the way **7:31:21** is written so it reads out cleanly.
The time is **9:05:06**
